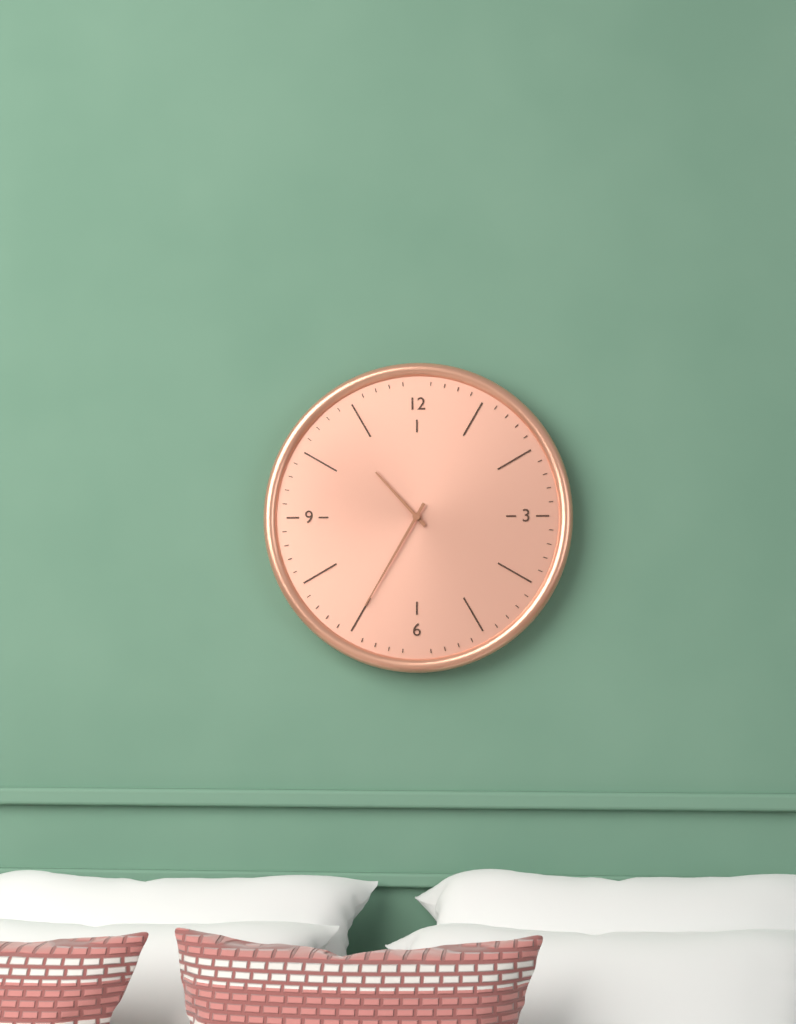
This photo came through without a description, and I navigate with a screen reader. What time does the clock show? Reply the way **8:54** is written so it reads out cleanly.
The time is **10:35**
